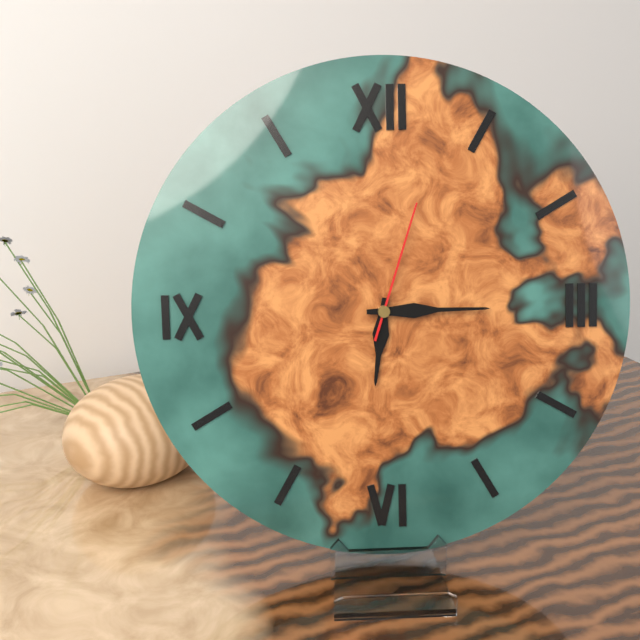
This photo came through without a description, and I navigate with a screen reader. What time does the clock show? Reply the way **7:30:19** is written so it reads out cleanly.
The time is **6:15:03**
